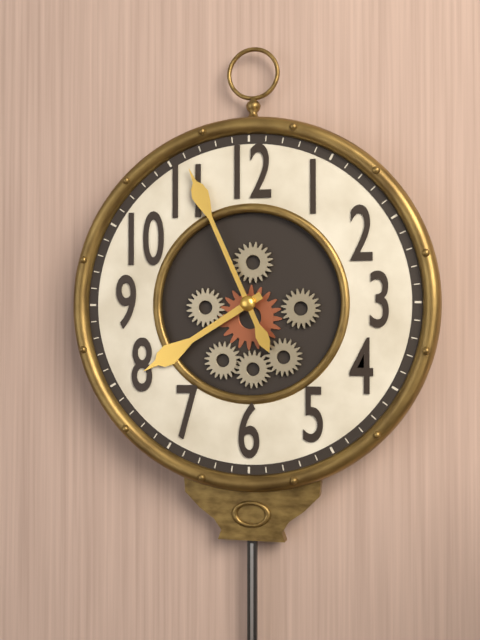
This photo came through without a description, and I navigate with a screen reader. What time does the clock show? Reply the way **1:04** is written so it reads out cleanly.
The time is **7:56**
